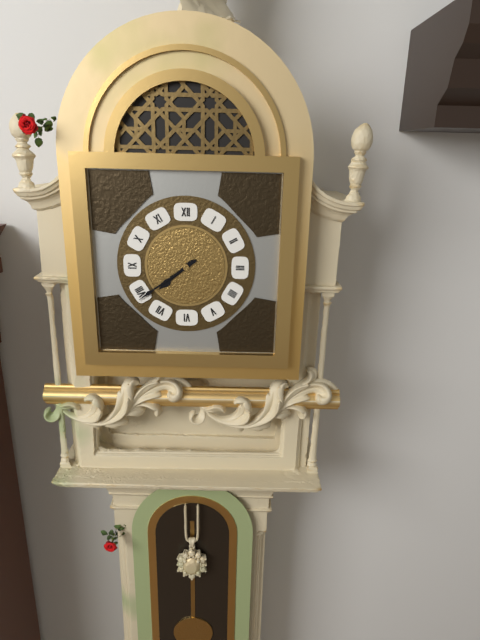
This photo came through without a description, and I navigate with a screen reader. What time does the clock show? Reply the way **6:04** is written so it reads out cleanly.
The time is **7:39**
